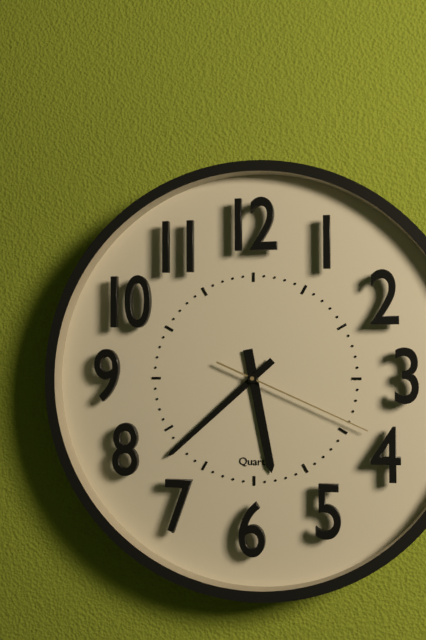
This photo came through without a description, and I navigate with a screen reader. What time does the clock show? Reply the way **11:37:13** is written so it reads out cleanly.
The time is **5:38:19**
